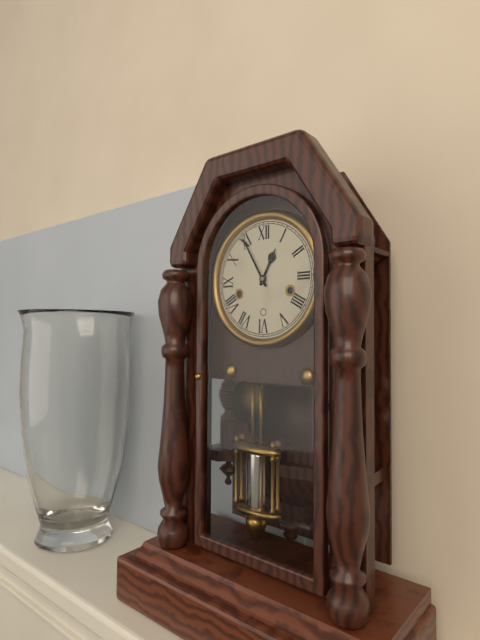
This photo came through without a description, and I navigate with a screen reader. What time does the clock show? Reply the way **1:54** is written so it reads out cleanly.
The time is **12:55**
